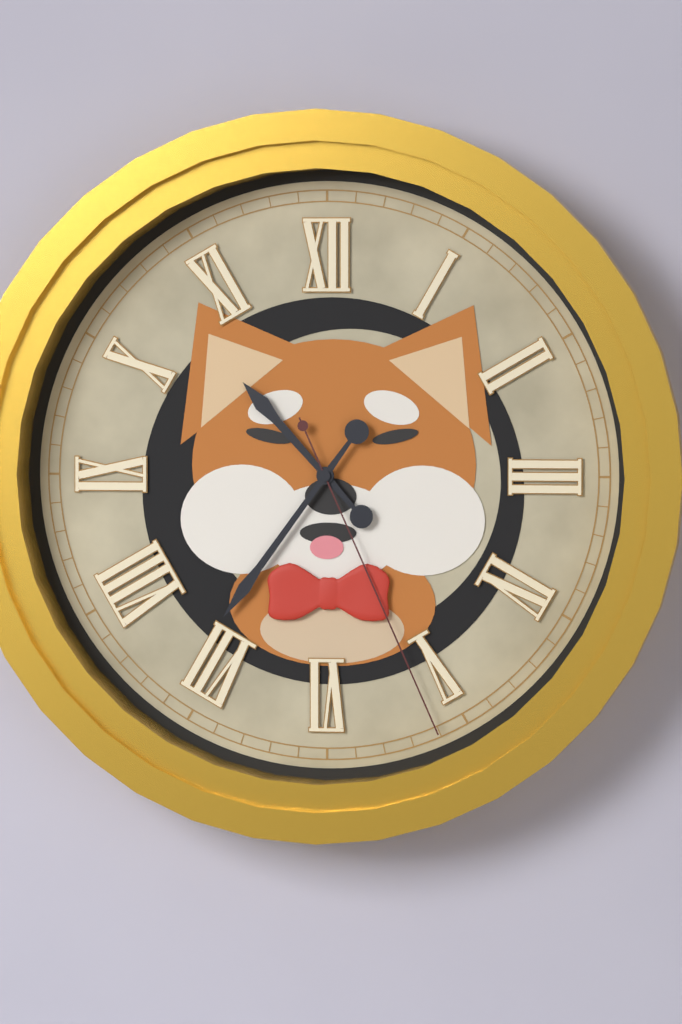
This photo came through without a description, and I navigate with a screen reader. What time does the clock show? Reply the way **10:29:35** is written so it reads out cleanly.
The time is **10:36:26**
